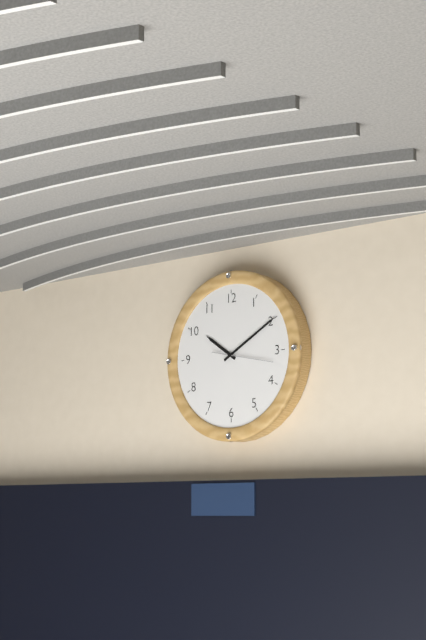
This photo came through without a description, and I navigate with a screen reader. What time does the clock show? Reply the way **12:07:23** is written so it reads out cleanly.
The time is **10:10:17**
